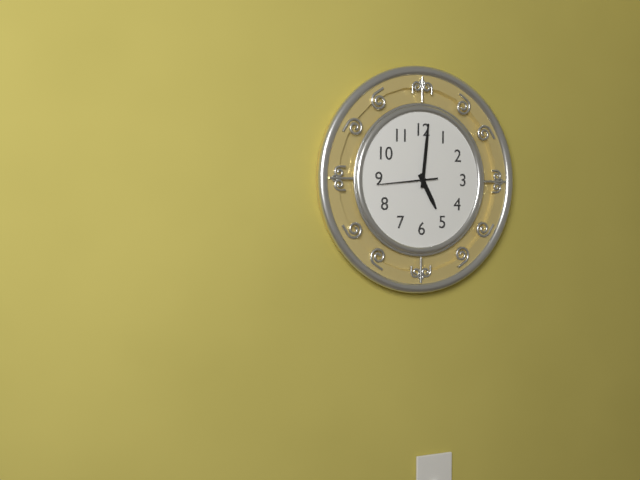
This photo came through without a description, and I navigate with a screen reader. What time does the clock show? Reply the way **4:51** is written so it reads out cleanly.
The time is **5:01**
